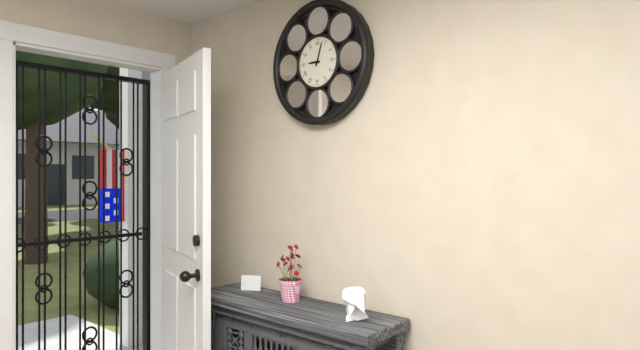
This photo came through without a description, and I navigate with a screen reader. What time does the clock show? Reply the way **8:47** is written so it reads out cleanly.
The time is **9:03**
